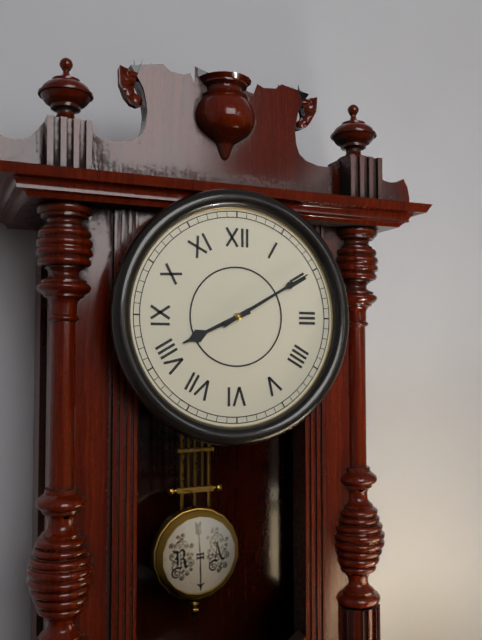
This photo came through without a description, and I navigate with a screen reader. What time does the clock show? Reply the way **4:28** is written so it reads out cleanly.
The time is **8:10**
